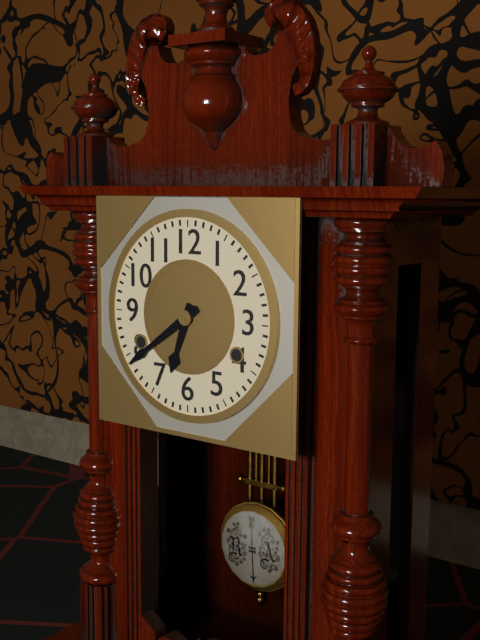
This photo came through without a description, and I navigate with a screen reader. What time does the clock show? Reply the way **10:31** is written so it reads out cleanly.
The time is **6:39**
